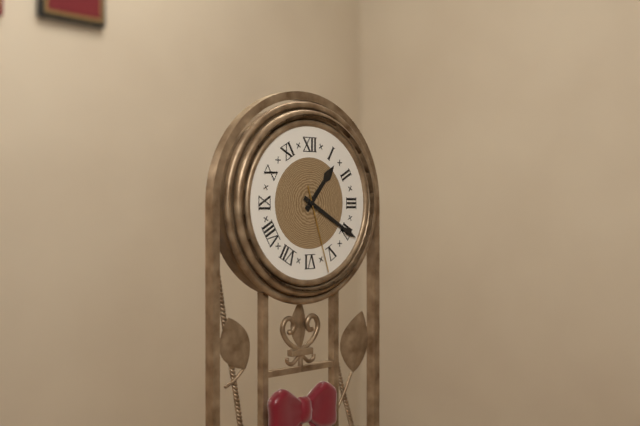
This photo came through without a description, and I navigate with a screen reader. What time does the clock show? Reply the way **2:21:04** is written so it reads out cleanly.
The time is **1:20:27**
